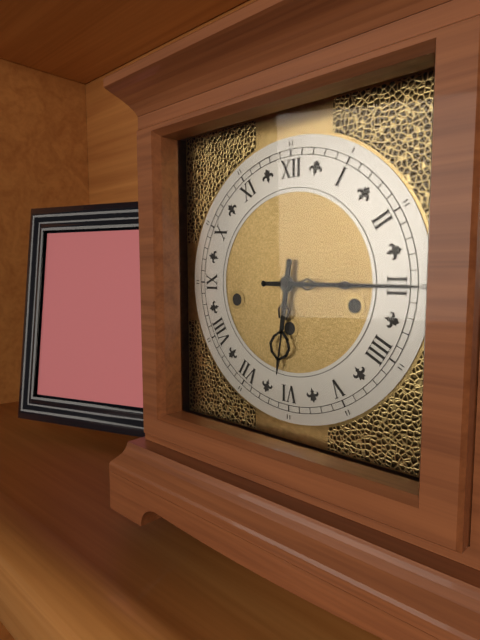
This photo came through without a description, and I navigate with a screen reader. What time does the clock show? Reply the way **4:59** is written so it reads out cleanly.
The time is **6:15**
